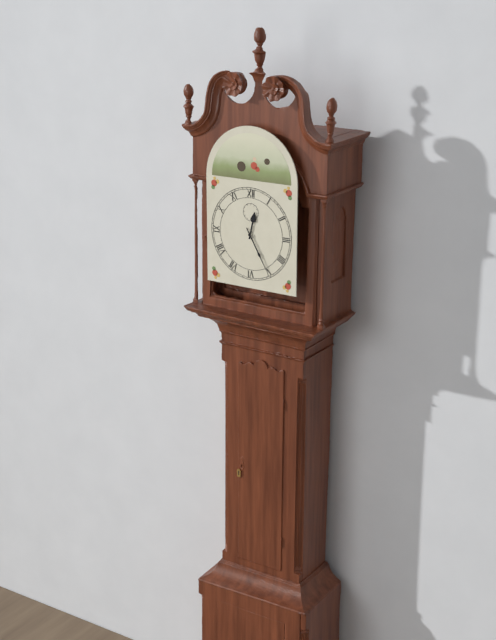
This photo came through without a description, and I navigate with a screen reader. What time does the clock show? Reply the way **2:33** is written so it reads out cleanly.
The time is **12:25**
